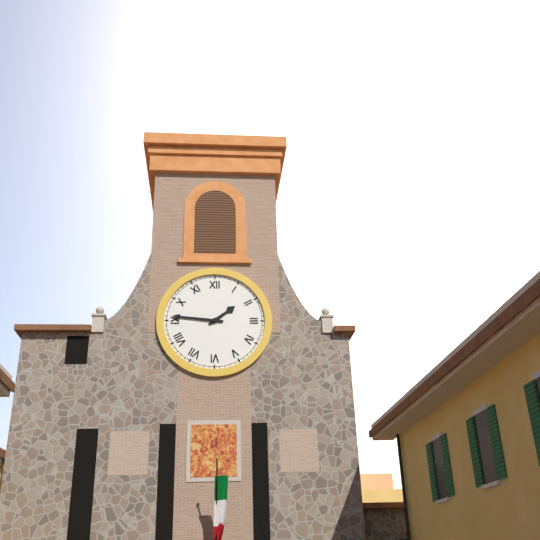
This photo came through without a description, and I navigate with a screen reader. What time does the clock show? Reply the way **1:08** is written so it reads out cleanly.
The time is **1:46**
